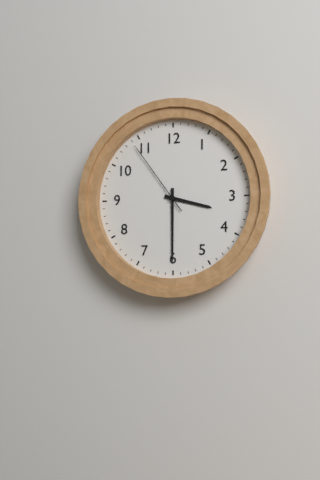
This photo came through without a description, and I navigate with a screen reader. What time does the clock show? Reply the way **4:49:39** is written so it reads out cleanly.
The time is **3:30:54**
